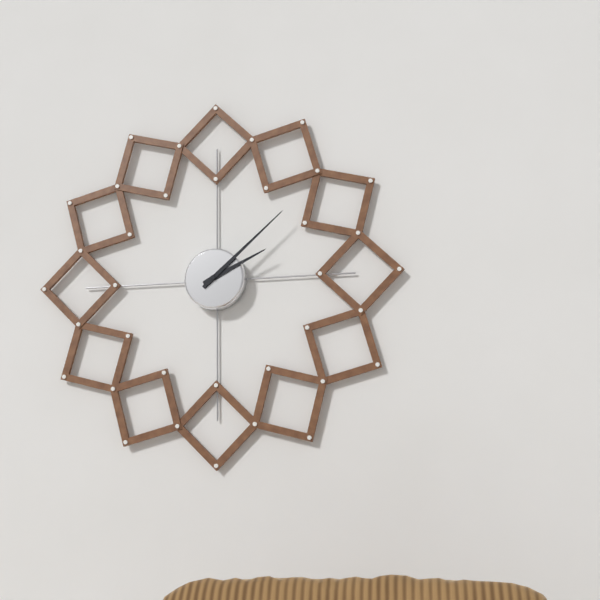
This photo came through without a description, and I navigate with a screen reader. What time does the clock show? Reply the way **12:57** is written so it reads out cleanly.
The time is **2:08**
